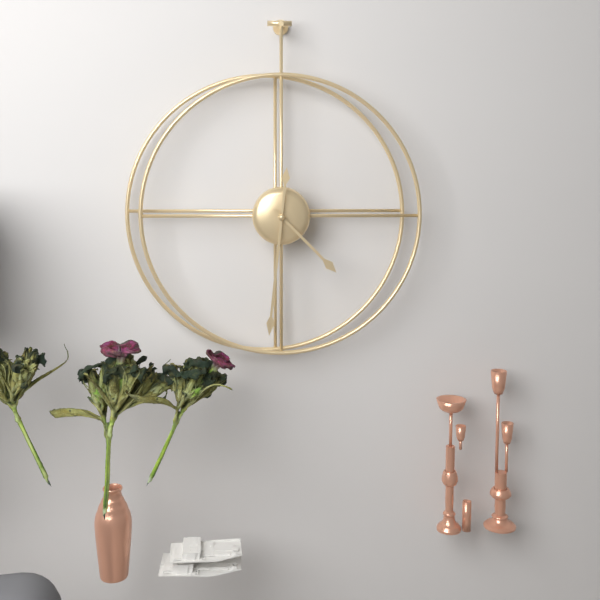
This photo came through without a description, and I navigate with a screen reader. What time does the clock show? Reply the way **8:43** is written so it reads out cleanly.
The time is **4:31**
